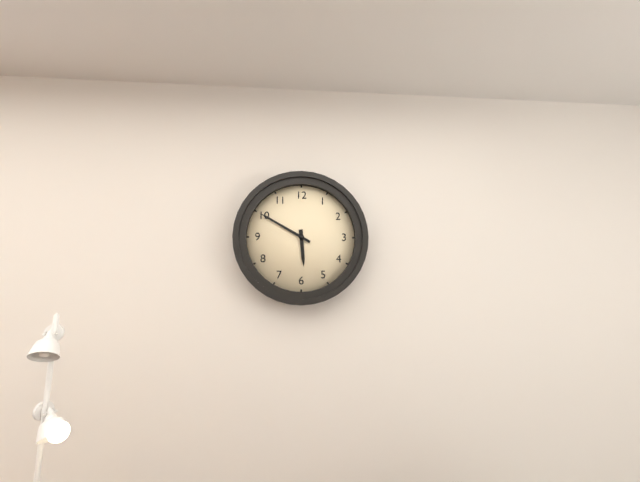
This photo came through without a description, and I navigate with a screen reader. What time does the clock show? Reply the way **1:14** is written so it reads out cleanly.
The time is **5:50**
